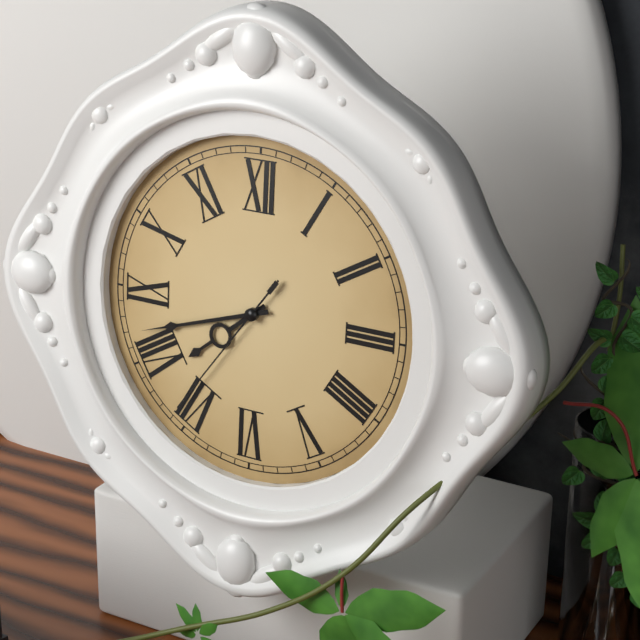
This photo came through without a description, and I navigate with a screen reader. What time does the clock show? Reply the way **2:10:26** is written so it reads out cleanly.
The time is **7:42:36**
